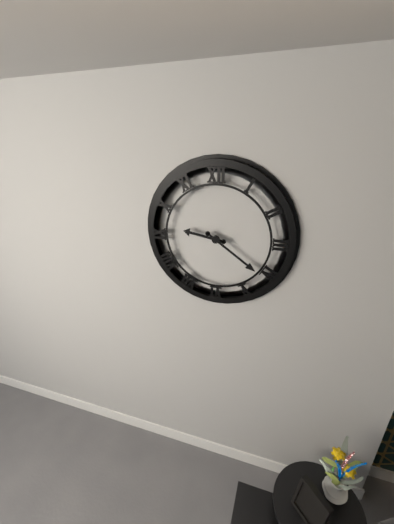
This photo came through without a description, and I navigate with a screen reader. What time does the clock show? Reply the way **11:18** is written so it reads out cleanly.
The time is **9:21**
